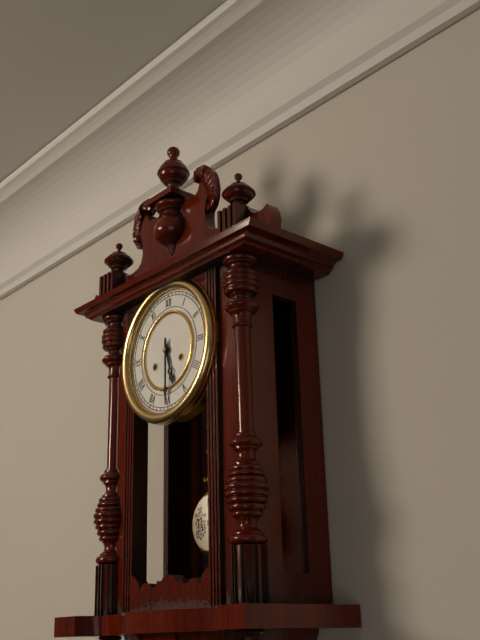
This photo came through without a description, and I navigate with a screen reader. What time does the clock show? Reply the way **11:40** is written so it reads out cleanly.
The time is **5:30**
